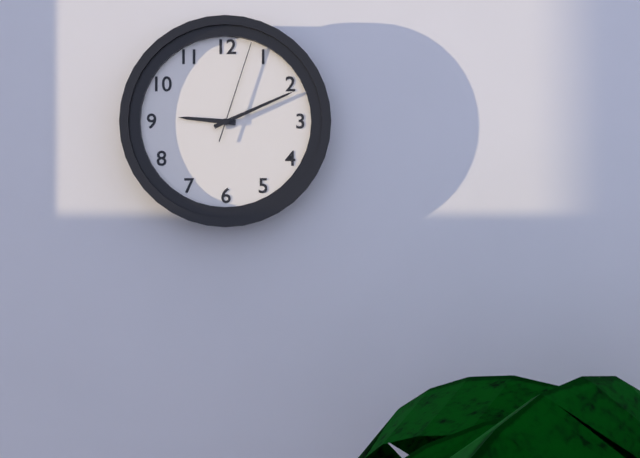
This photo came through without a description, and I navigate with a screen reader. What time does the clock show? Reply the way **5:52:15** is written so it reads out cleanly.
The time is **9:11:03**
